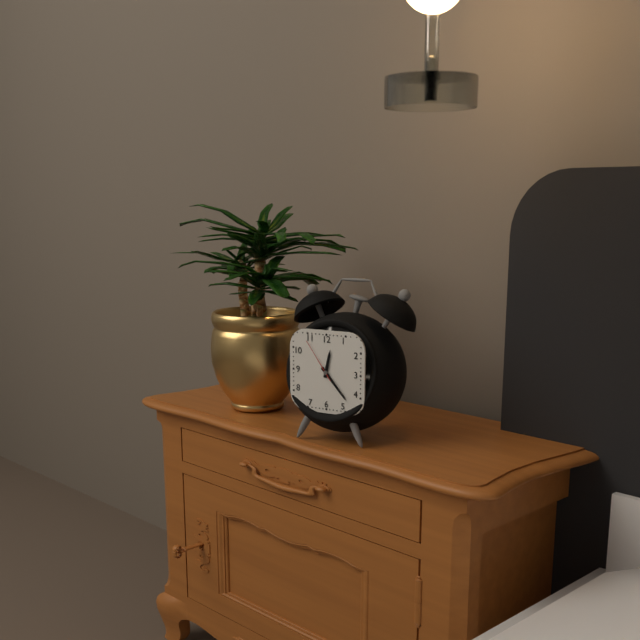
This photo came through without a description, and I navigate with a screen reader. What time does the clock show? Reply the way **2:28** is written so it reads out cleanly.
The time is **12:23**
